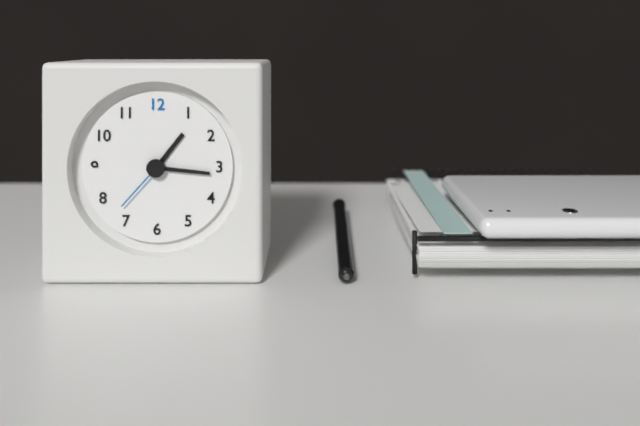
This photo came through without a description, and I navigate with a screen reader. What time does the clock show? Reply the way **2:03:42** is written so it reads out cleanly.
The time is **1:16:37**
